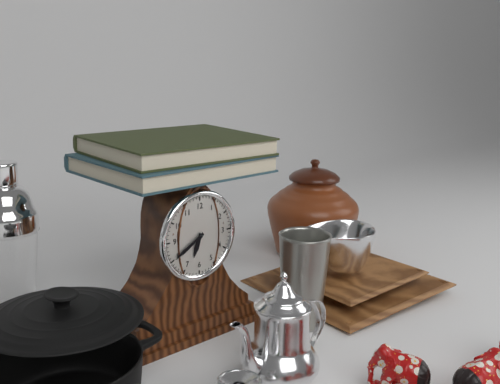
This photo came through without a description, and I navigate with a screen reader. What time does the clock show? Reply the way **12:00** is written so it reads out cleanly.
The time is **6:40**
